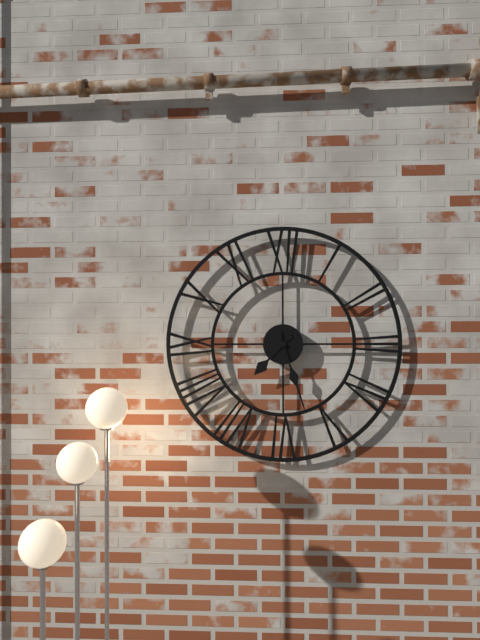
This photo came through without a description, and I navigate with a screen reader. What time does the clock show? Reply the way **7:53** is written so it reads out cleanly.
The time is **7:27**
